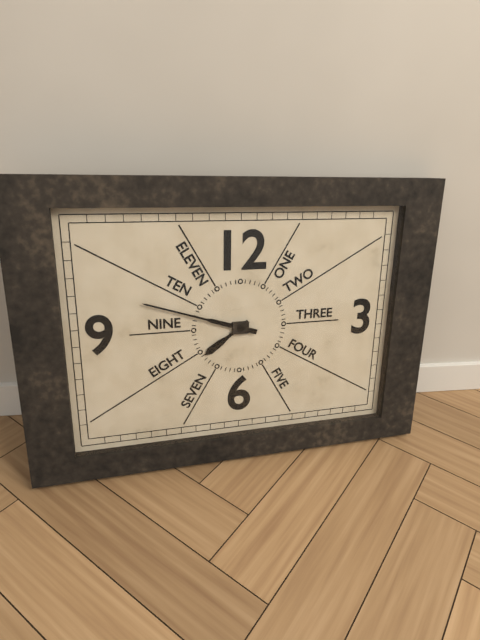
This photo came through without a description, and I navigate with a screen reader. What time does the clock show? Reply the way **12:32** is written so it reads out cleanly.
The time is **7:48**
